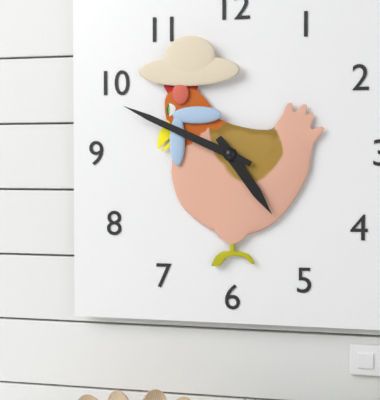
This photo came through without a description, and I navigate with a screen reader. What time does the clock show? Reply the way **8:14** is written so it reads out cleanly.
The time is **4:49**
